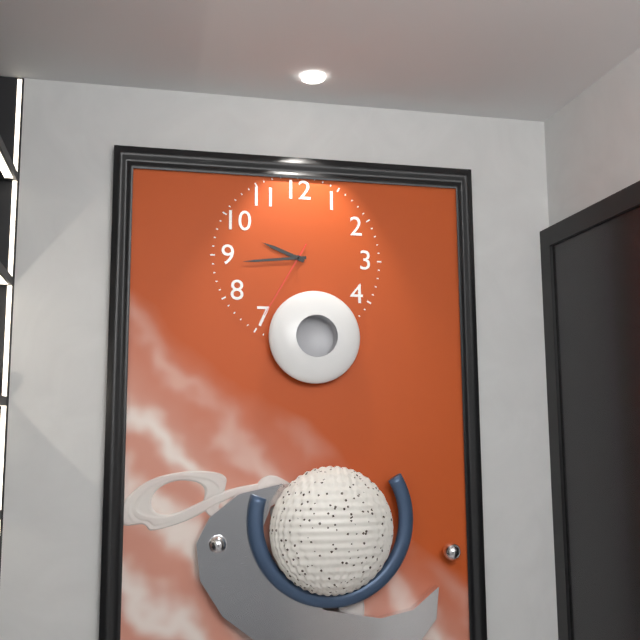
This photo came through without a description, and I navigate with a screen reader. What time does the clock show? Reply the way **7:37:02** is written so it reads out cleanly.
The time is **9:44:35**
